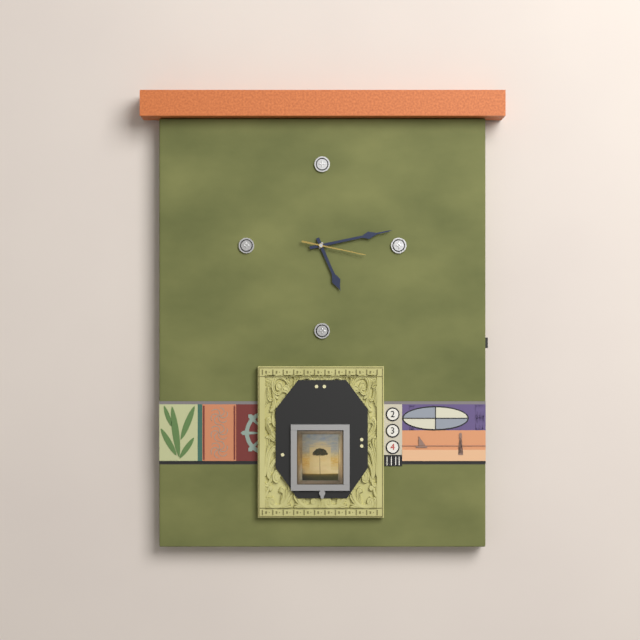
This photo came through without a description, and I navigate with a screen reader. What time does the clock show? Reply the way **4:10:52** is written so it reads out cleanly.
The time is **5:13:17**
